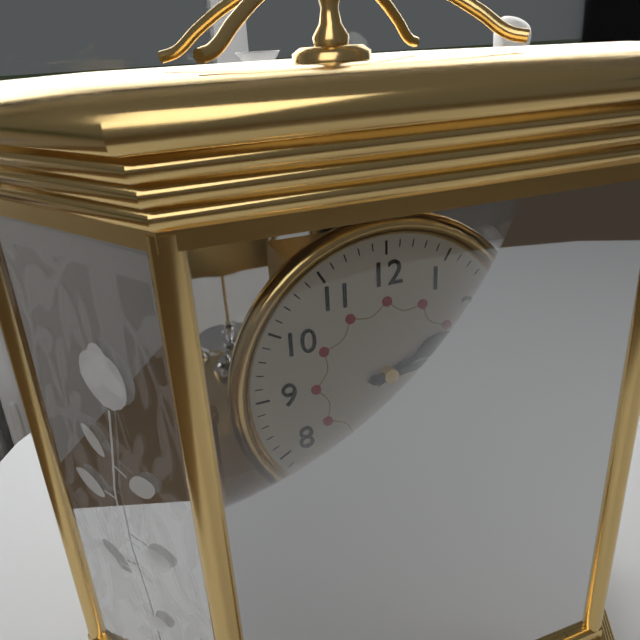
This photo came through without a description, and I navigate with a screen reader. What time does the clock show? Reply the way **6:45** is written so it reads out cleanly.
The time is **2:14**
